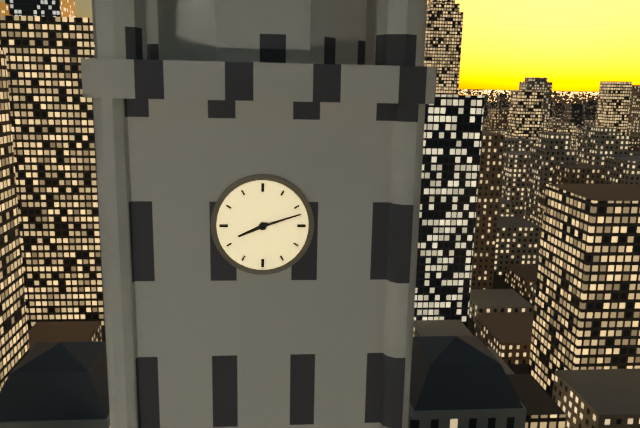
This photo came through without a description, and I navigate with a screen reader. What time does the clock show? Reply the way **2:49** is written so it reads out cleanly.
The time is **8:12**
